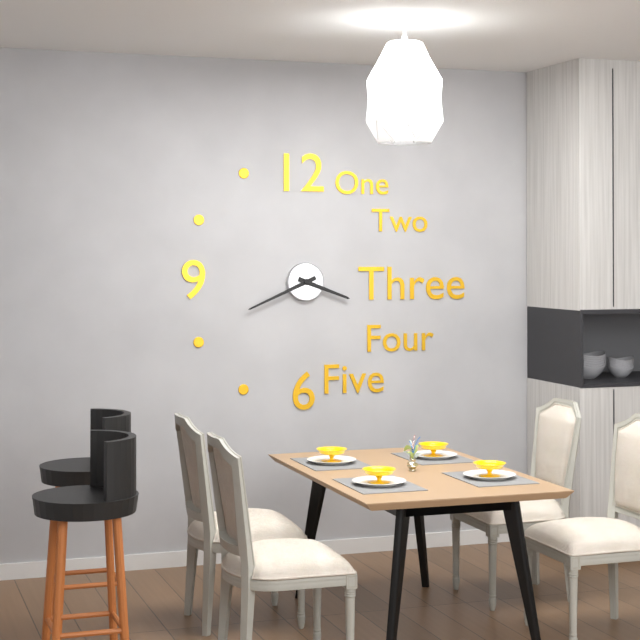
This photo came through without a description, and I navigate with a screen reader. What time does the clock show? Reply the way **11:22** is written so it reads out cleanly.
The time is **3:41**
